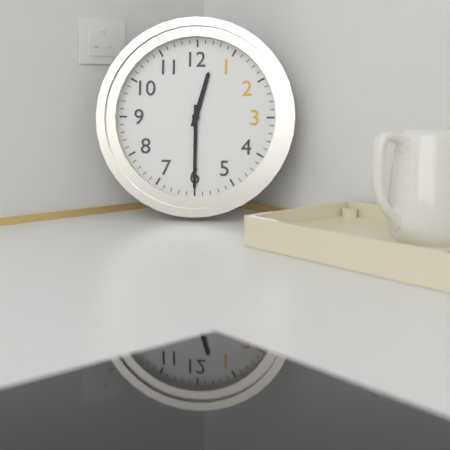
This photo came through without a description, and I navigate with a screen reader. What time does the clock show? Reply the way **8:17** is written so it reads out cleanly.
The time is **12:30**
